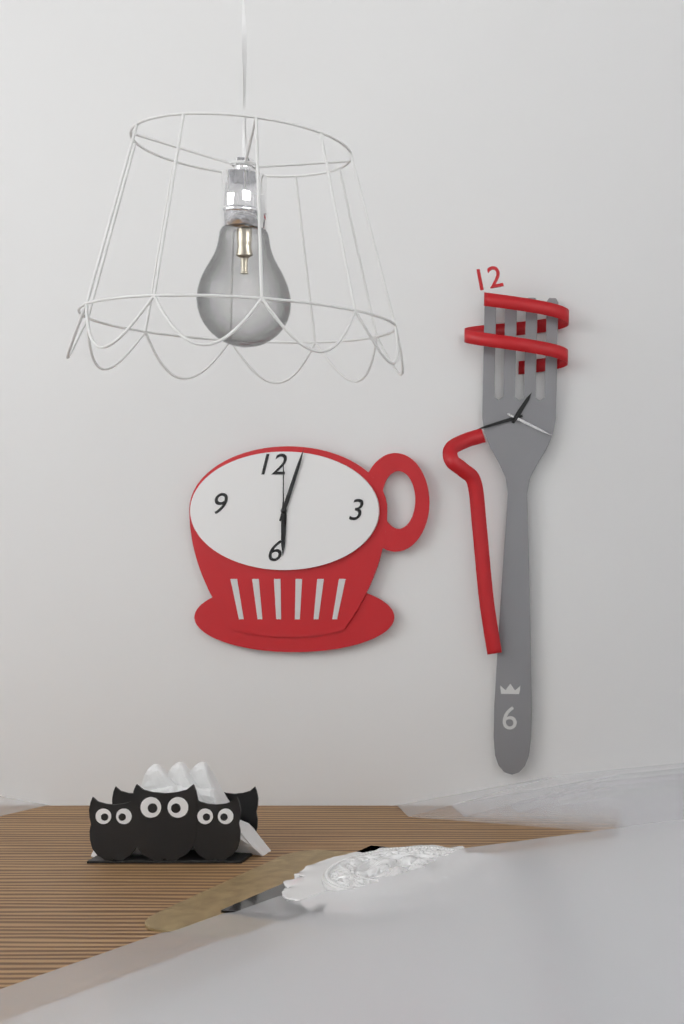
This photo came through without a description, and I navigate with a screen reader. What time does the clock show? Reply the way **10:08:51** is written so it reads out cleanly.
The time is **6:03:00**
